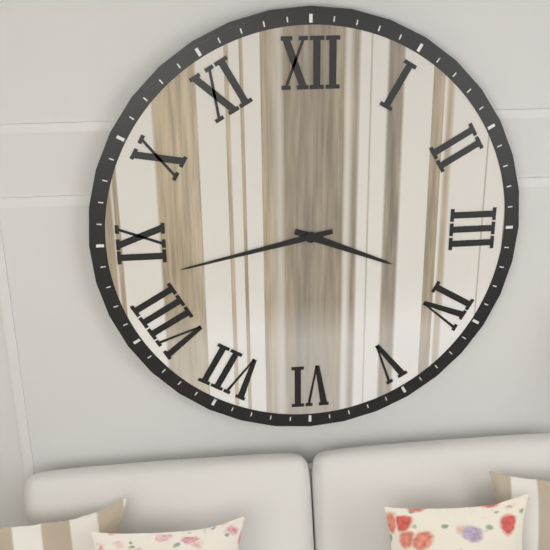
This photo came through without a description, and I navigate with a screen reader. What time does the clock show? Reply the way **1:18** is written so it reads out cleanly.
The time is **3:43**
